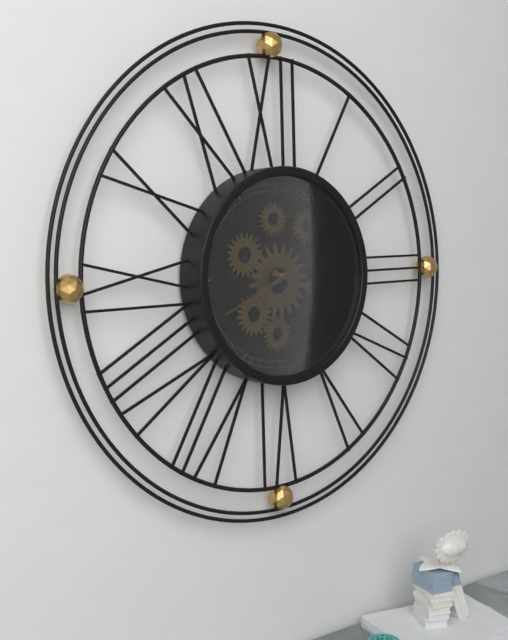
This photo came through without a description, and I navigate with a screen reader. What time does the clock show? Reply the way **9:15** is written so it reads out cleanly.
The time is **3:41**
